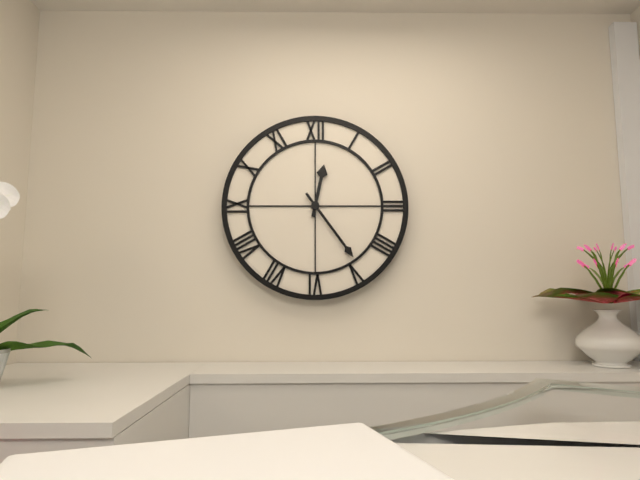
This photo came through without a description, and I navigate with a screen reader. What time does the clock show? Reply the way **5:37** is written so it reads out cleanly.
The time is **12:24**
